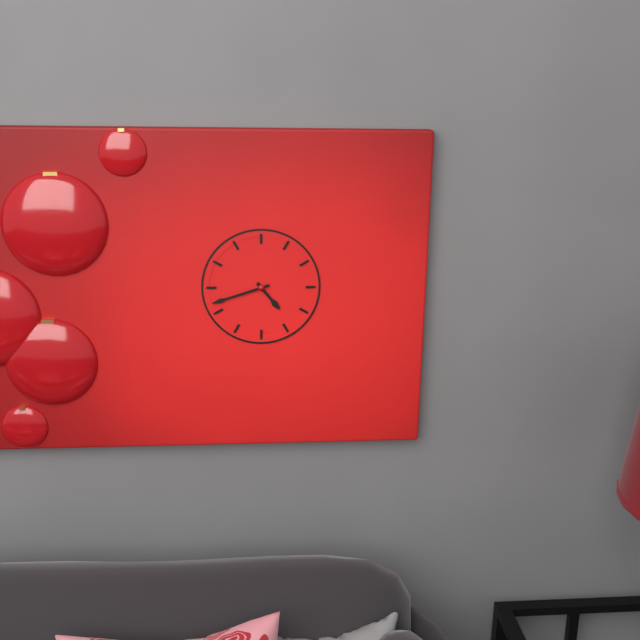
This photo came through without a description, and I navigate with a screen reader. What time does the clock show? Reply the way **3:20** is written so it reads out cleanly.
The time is **4:42**
